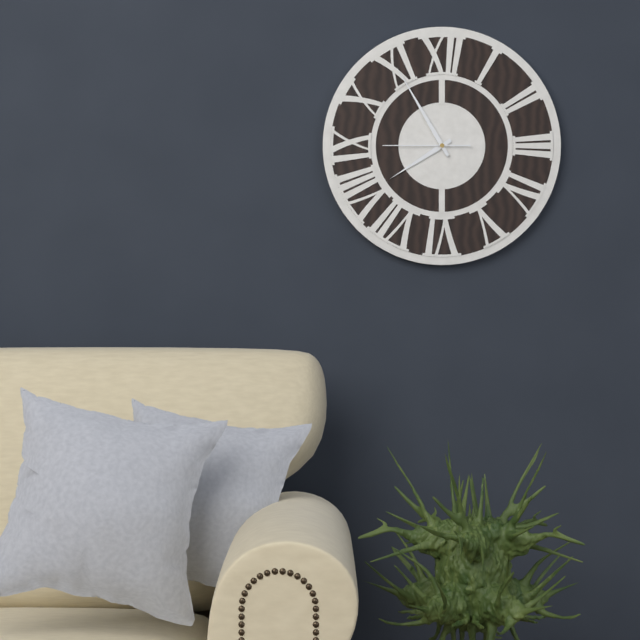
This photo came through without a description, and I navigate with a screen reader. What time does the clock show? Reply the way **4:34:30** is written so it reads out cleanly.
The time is **7:55:45**
